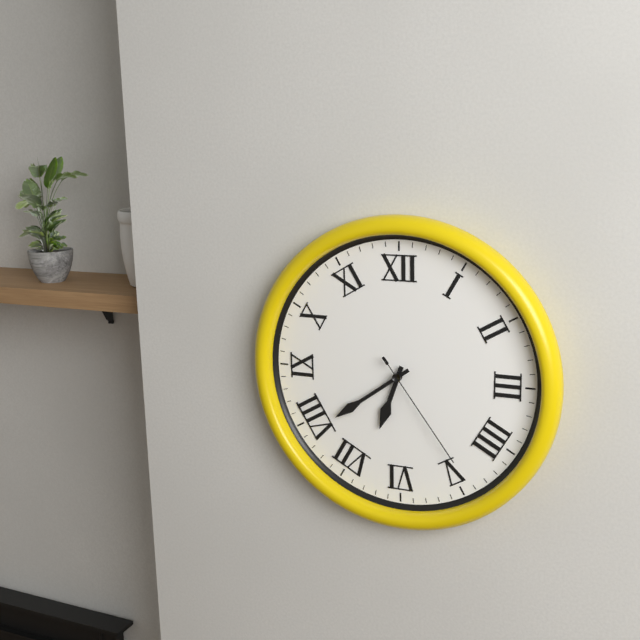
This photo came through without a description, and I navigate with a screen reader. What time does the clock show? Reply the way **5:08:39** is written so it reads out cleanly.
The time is **6:39:24**
